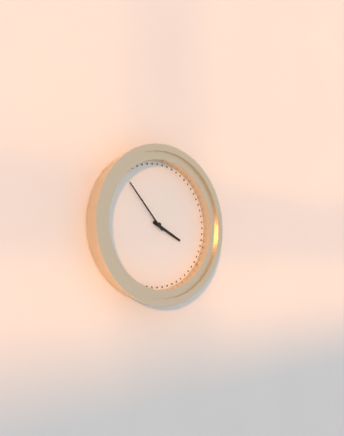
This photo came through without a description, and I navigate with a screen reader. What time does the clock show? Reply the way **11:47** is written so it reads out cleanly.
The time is **3:53**
